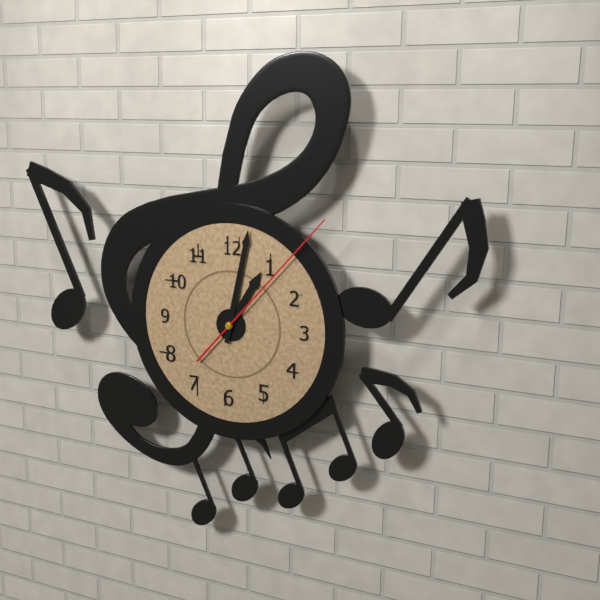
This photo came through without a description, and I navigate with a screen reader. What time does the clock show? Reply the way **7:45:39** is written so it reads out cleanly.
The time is **1:02:07**
